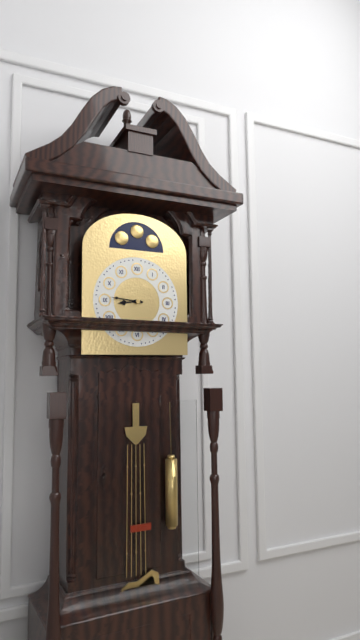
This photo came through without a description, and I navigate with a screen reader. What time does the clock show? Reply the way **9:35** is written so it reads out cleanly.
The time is **8:46**
